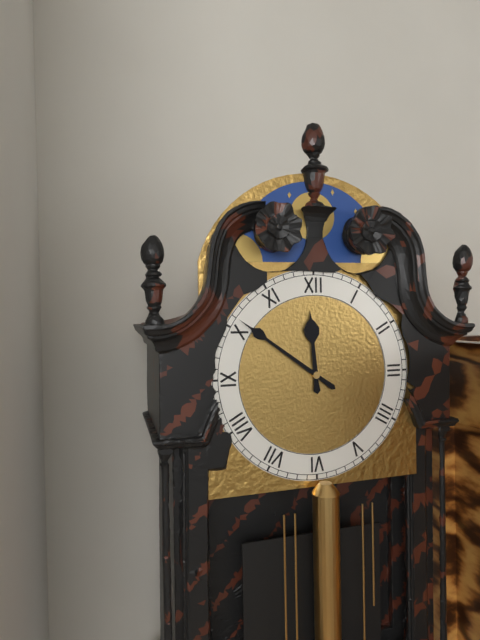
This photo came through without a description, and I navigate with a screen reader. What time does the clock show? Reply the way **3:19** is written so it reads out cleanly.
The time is **11:51**
